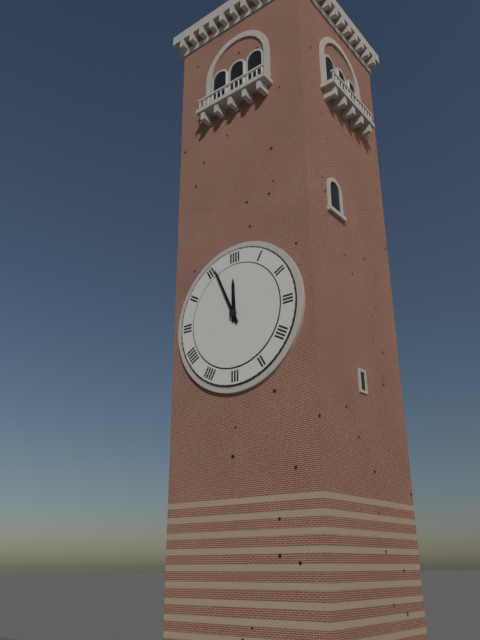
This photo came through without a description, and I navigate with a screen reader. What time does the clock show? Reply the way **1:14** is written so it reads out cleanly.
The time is **11:56**
